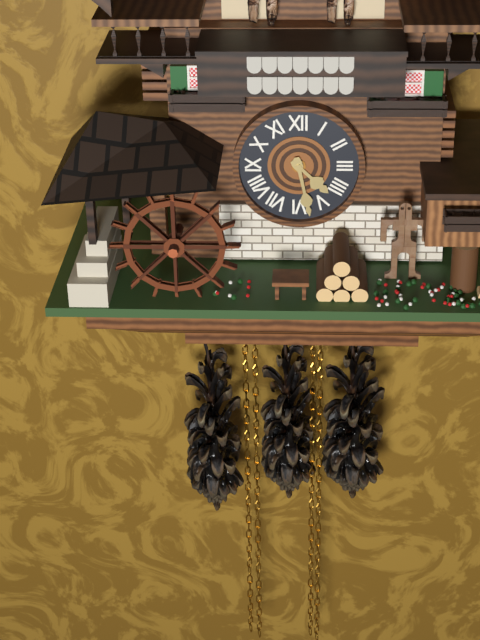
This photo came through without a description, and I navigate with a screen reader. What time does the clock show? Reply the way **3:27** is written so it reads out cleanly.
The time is **4:28**
